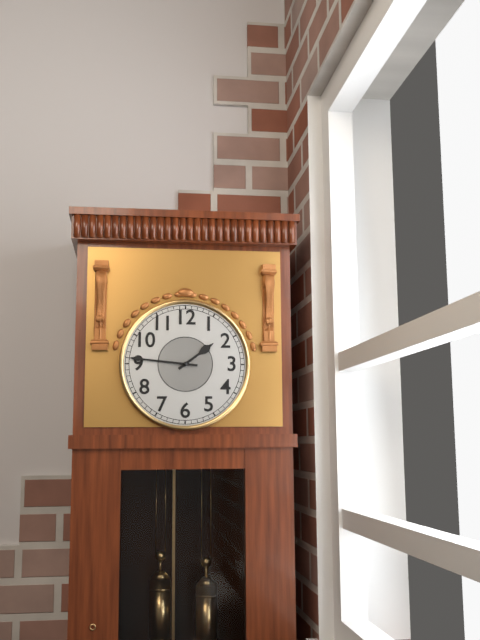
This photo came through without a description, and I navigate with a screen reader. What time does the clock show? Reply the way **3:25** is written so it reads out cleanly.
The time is **1:46**
